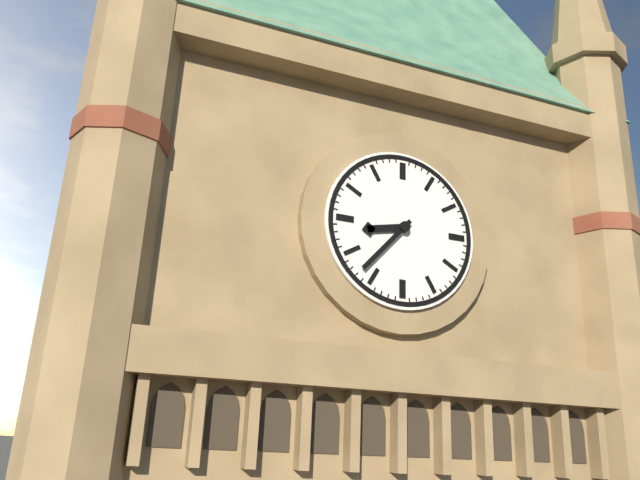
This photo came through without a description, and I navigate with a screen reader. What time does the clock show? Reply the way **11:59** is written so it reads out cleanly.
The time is **8:37**
